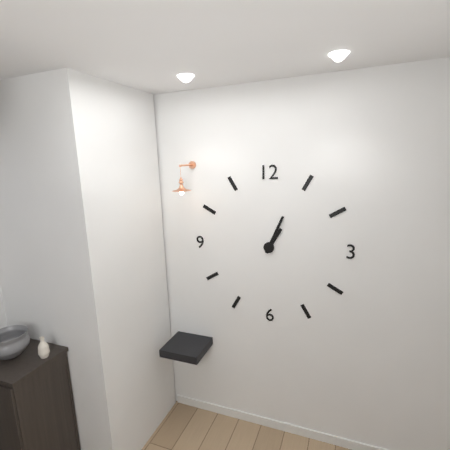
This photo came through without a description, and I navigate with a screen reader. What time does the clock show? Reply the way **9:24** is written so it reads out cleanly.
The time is **1:04**
